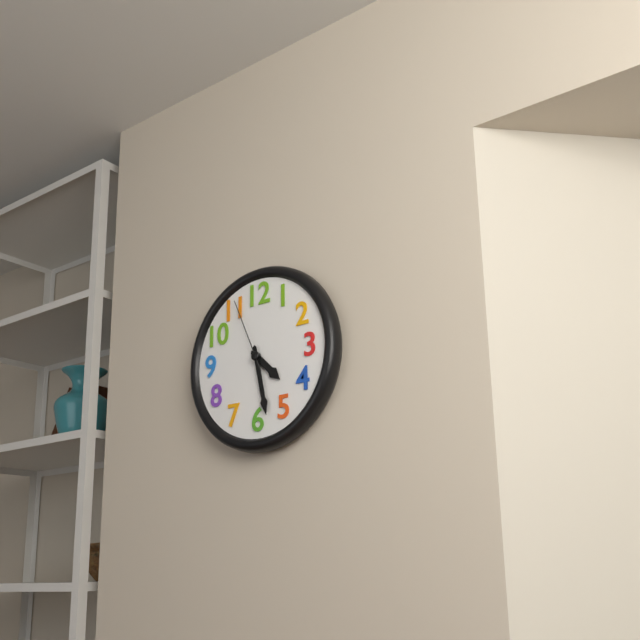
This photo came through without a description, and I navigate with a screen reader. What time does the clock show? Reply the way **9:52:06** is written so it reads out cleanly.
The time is **4:28:56**
